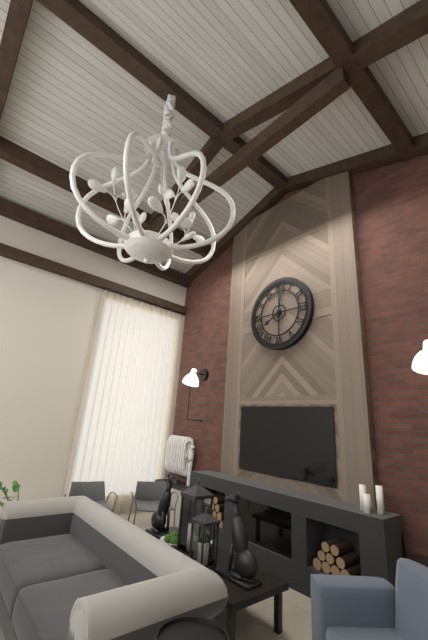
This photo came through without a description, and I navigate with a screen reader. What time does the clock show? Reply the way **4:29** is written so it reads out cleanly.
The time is **8:02**
